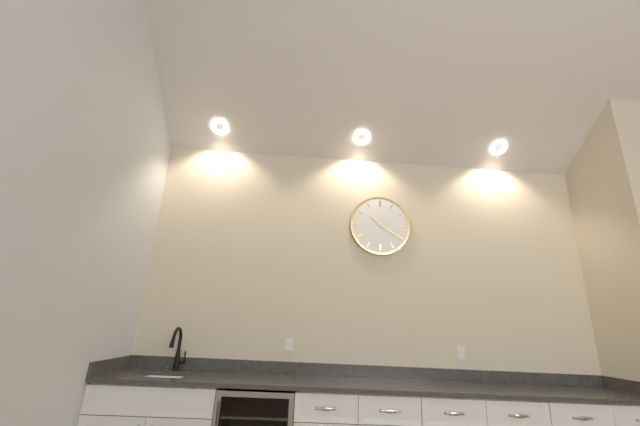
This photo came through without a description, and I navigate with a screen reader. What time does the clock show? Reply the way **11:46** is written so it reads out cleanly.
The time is **10:20**
